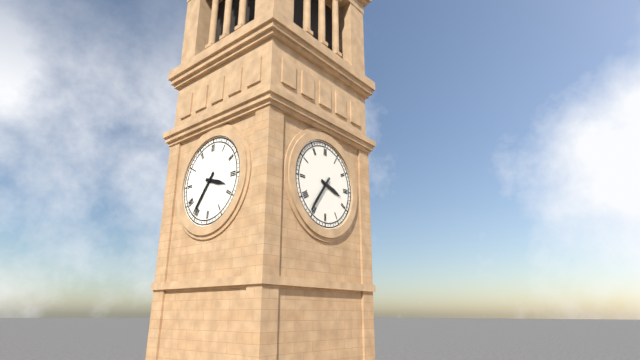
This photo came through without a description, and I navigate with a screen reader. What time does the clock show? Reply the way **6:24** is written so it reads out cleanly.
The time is **3:36**
